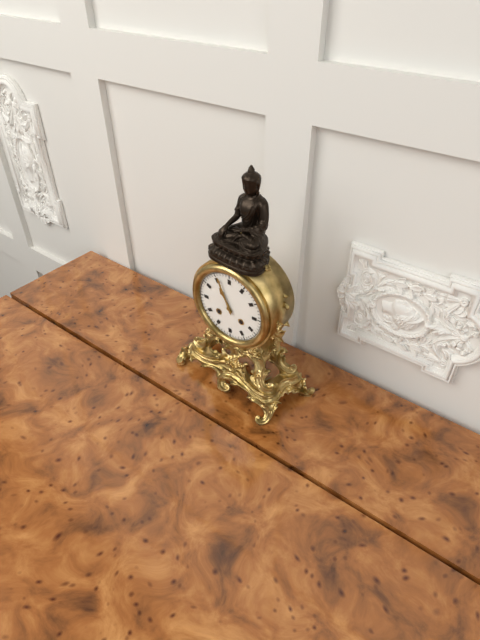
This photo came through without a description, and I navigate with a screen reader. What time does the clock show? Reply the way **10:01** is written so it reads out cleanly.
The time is **10:56**
